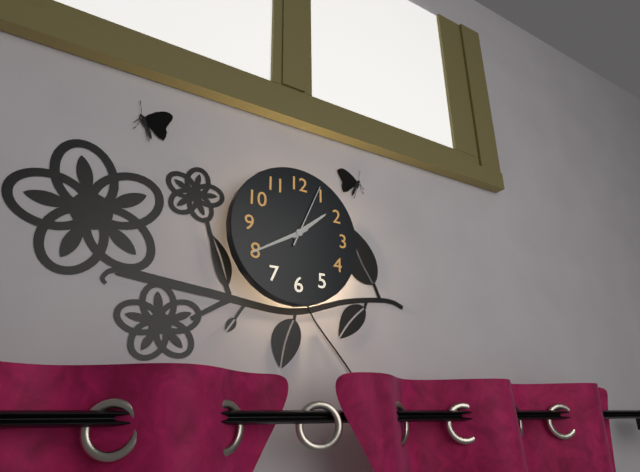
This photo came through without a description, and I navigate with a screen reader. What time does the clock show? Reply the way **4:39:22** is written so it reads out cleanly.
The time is **1:40:04**
